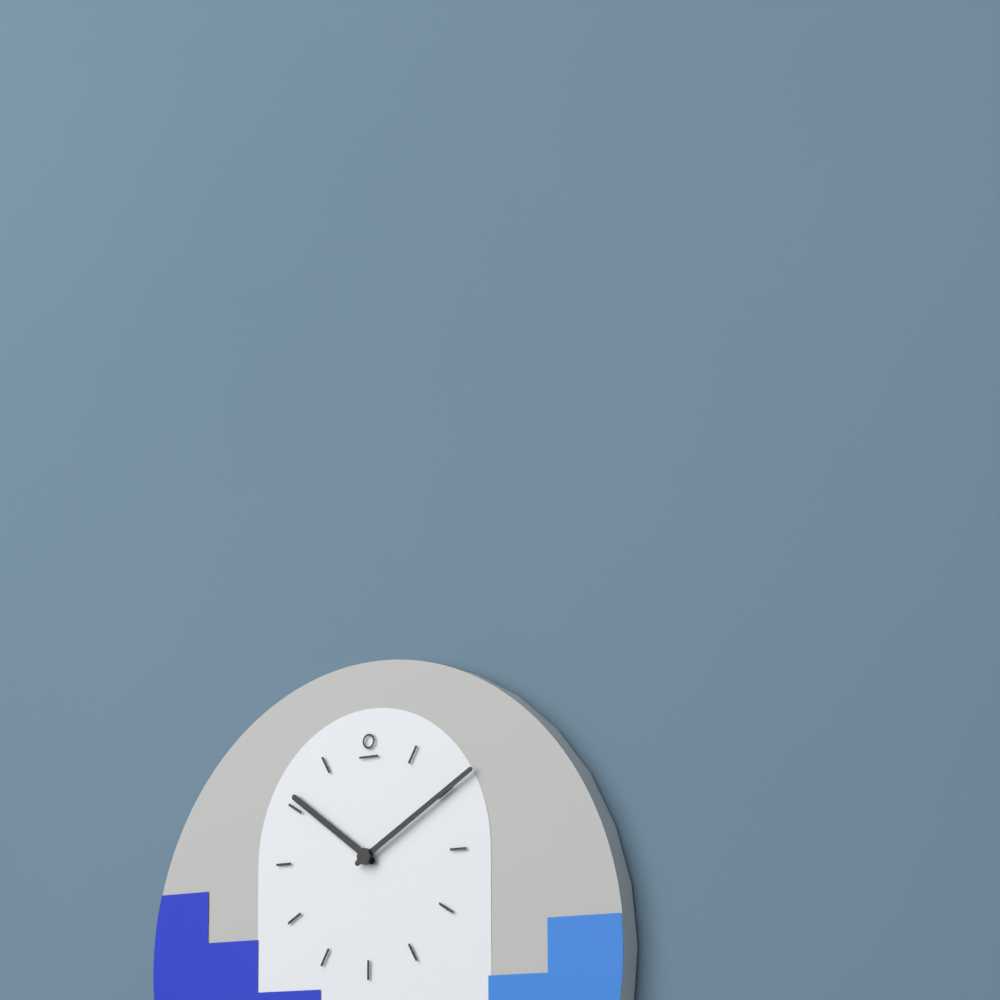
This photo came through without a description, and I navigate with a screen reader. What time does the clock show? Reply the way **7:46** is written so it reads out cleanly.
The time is **10:10**
